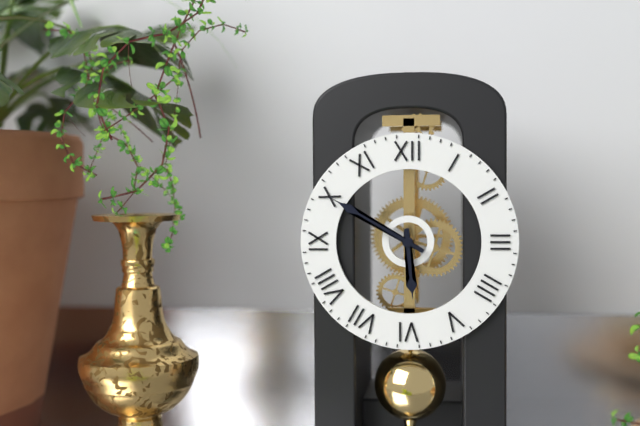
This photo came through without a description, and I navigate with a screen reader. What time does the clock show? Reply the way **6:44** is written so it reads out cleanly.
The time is **5:50**
